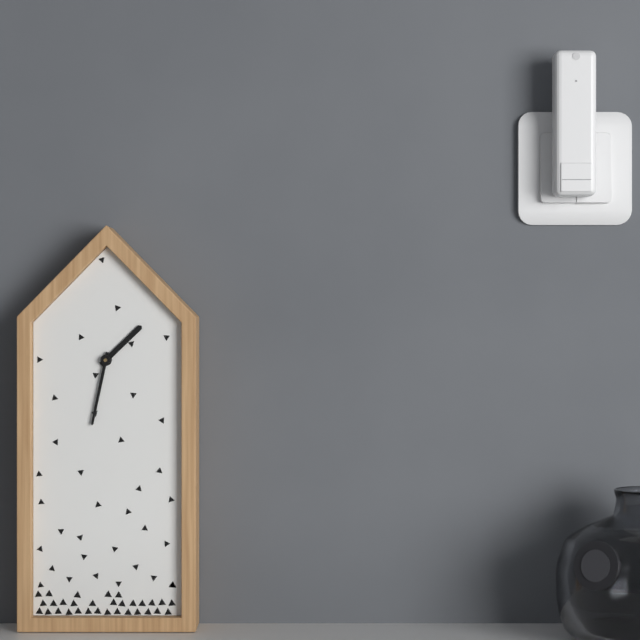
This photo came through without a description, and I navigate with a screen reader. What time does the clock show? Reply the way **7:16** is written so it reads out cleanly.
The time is **1:32**
